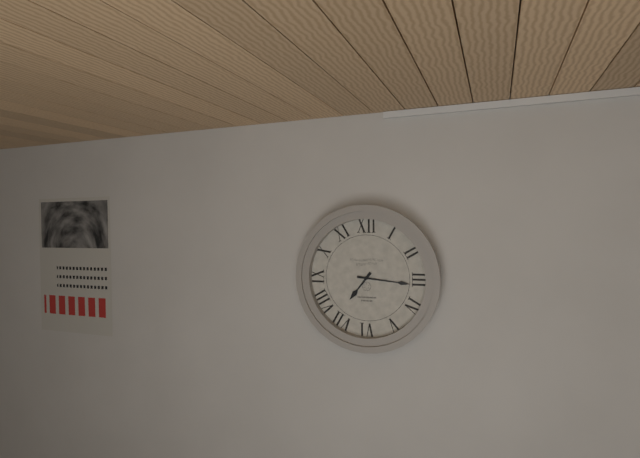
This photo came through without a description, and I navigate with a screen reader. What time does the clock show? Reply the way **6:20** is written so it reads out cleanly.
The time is **7:16**
